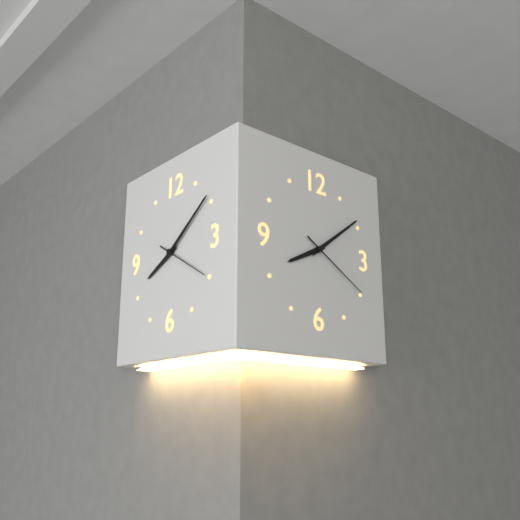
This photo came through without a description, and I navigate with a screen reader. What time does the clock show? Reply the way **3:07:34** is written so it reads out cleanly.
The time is **8:09:20**
